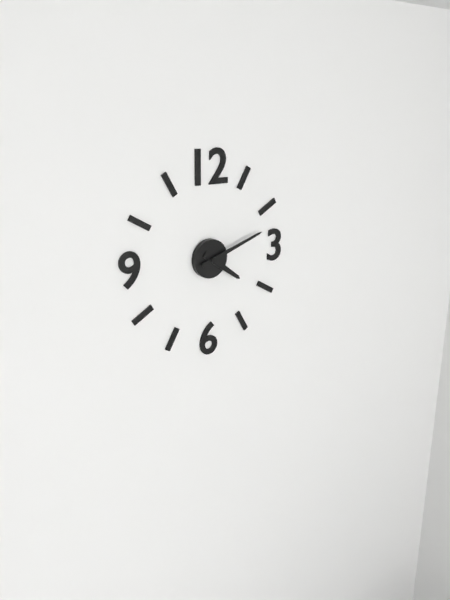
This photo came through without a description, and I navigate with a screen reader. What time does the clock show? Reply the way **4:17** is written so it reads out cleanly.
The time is **4:12**
